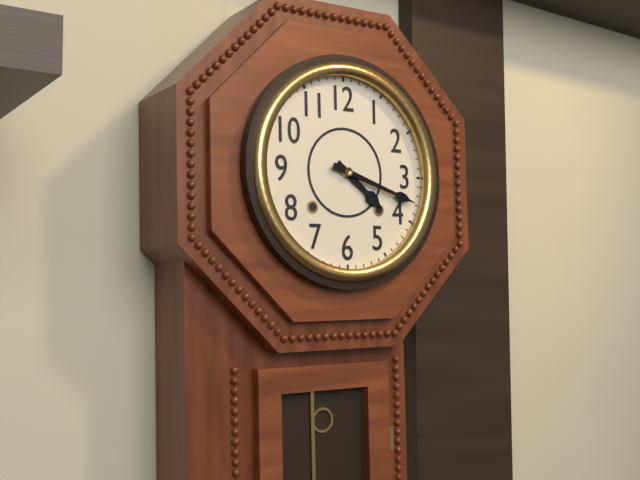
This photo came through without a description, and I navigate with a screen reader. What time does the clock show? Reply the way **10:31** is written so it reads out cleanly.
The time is **4:18**
